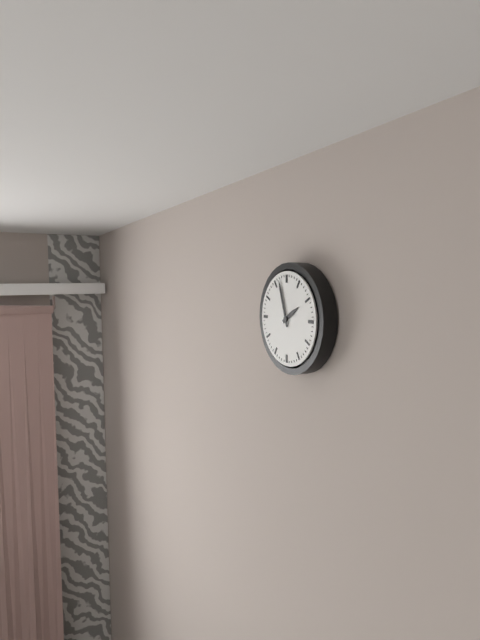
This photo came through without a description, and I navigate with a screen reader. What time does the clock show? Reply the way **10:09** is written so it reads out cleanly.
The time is **1:57**
